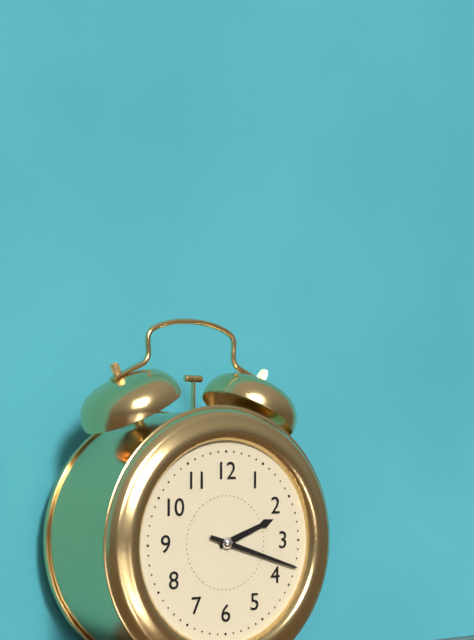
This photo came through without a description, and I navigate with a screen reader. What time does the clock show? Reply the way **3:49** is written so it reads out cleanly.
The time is **2:18**
